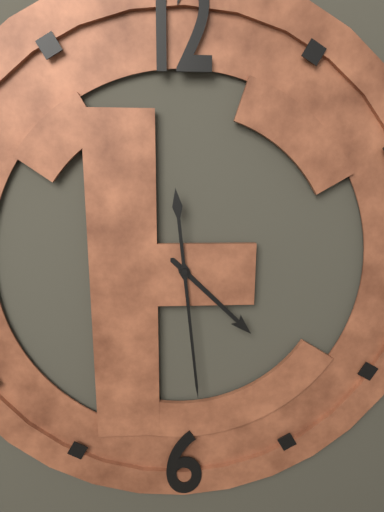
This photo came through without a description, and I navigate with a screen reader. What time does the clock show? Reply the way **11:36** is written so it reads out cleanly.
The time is **4:29**
